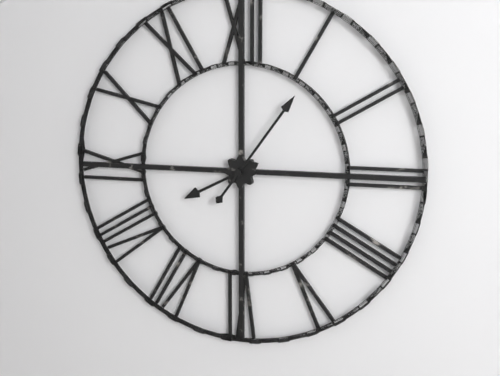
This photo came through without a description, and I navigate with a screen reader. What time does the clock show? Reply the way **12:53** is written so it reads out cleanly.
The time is **8:06**
